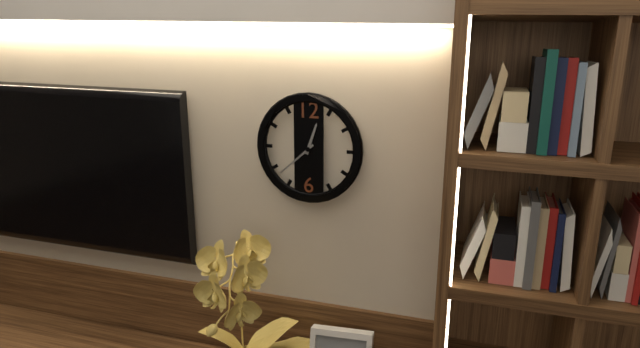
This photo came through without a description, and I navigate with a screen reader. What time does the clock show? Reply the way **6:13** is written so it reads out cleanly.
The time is **12:38**
